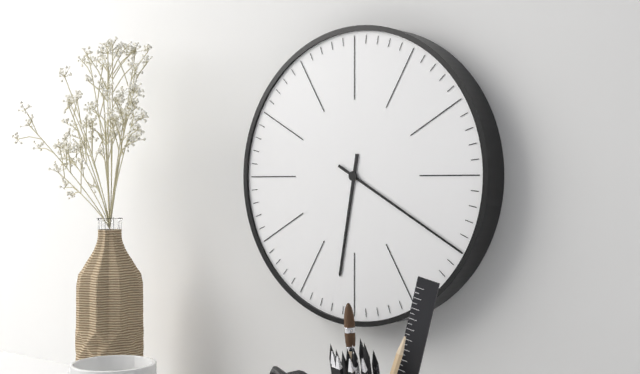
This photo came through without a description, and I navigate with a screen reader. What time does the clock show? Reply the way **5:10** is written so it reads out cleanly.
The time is **6:20**
